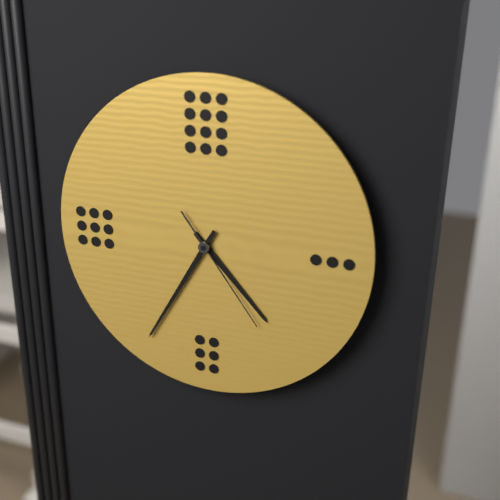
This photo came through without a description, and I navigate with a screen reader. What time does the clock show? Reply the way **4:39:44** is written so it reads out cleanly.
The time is **4:35:24**
